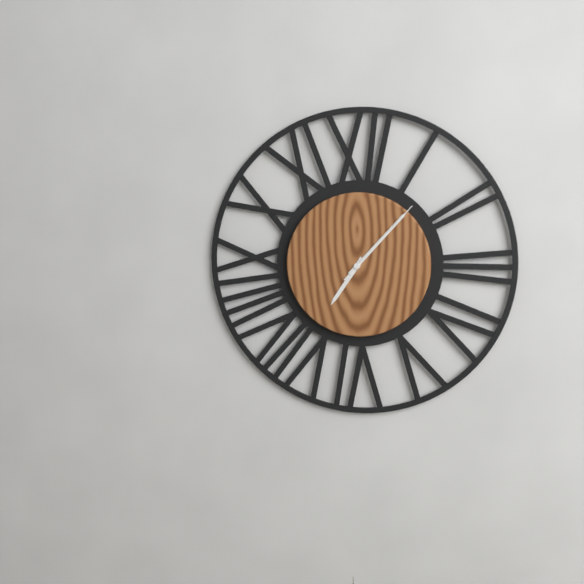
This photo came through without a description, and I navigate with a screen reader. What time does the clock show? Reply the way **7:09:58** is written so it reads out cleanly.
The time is **7:07:07**
